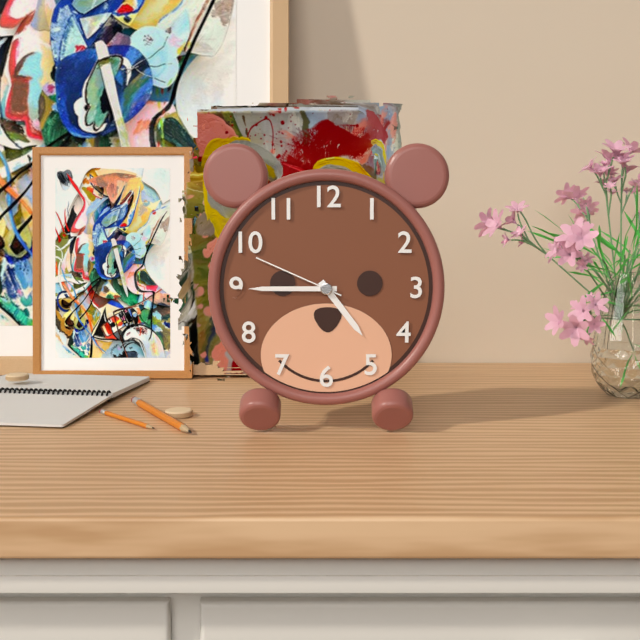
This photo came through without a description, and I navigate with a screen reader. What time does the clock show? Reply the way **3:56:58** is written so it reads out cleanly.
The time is **4:45:49**
